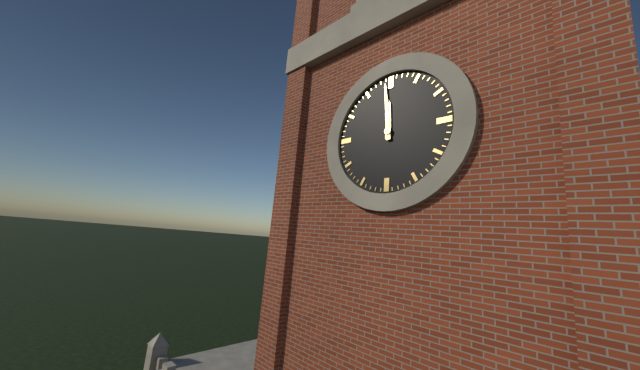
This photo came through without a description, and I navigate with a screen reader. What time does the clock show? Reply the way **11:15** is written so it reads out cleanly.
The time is **11:59**
